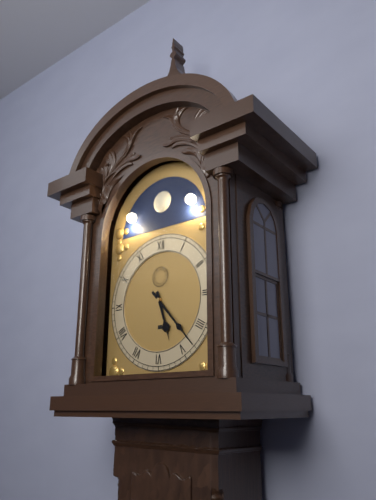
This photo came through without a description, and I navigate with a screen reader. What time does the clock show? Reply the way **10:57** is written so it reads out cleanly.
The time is **5:23**
